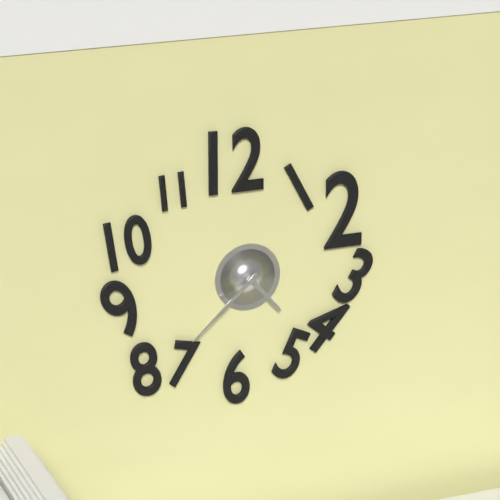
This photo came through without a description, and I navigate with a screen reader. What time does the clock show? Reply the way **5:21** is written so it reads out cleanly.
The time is **4:38**
